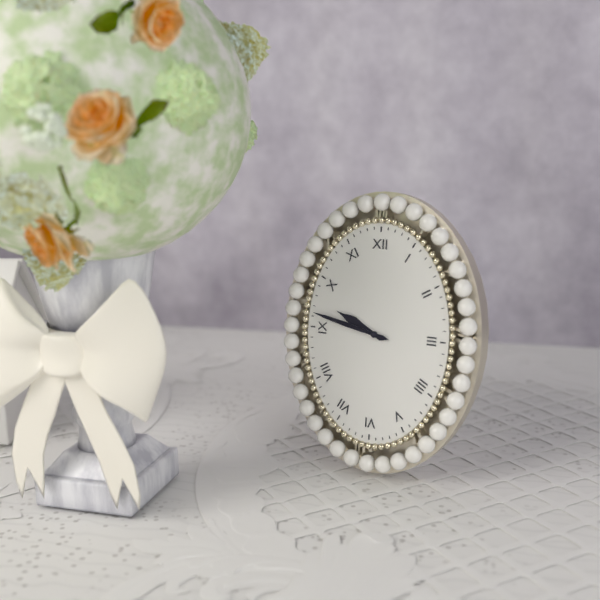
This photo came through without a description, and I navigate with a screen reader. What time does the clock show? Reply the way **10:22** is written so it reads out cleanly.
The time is **9:47**
